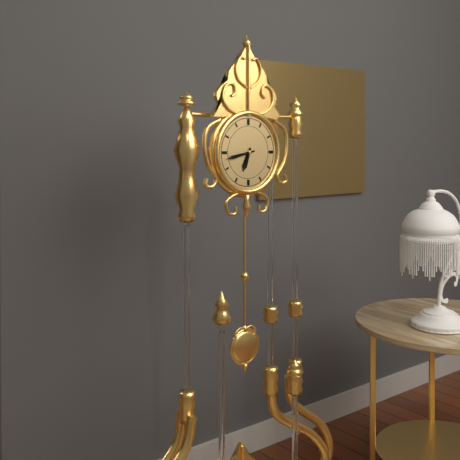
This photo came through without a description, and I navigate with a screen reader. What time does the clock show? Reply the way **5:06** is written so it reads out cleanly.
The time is **6:43**
